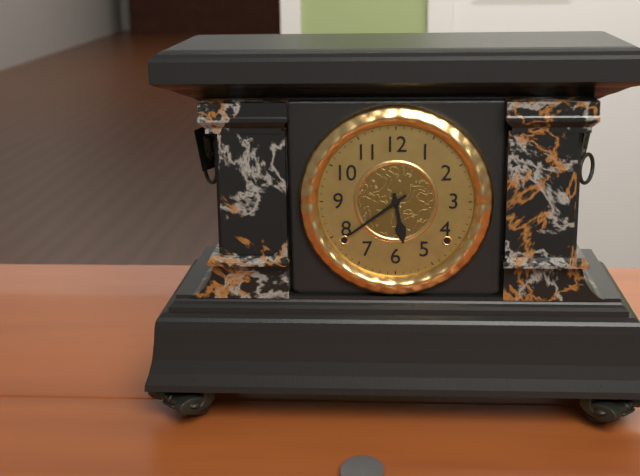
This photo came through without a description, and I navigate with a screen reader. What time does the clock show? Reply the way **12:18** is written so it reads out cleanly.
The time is **5:39**
